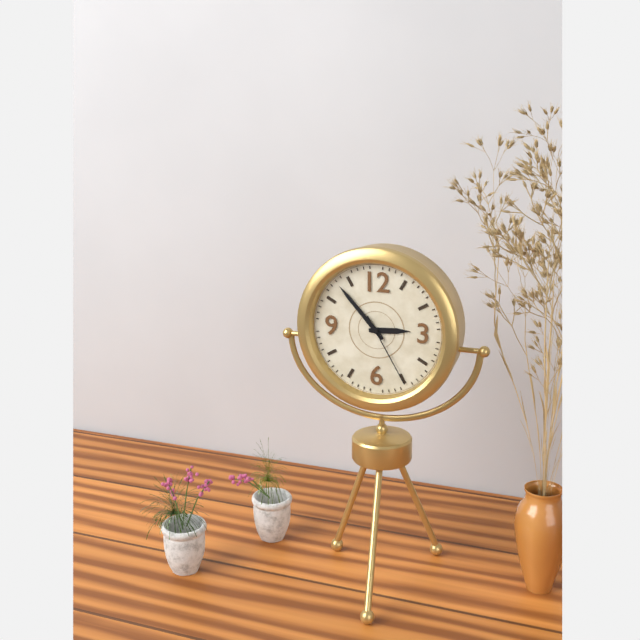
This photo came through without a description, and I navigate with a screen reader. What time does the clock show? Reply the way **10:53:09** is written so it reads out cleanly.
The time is **2:53:25**
